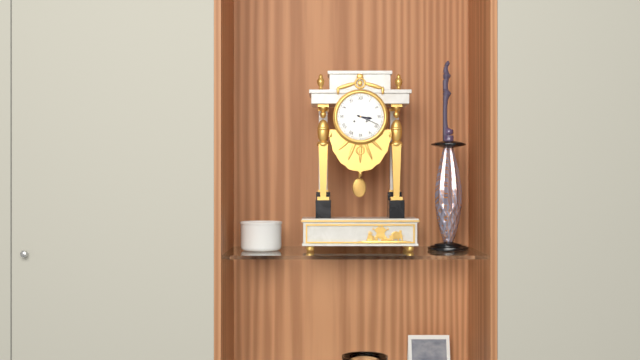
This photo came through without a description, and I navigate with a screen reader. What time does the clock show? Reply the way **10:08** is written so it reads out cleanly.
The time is **3:19**
